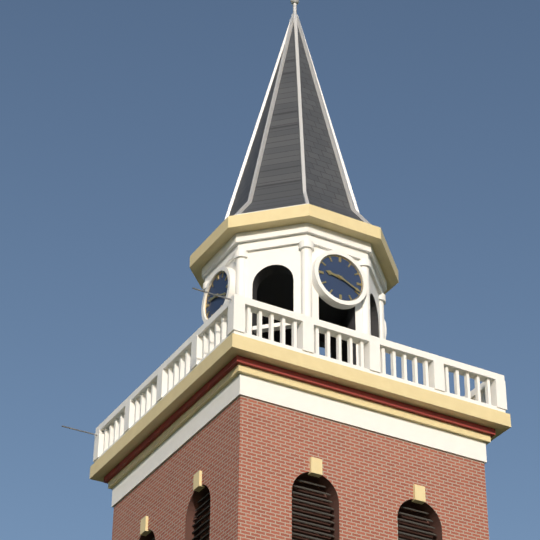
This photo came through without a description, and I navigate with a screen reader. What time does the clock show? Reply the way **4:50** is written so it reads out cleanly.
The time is **9:19**
